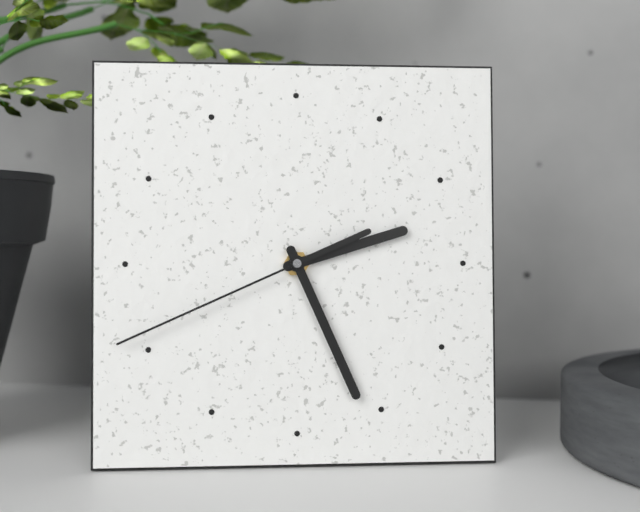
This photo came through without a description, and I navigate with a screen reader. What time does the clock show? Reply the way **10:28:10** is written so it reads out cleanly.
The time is **2:26:41**
